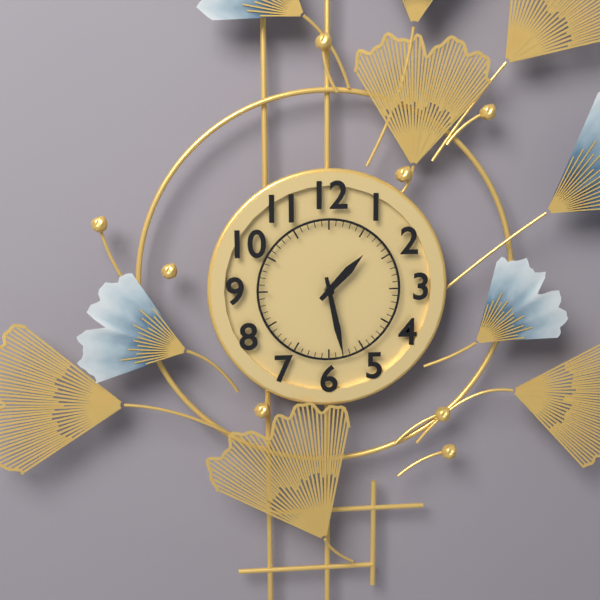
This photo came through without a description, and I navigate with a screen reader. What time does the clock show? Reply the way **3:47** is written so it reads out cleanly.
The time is **1:28**
